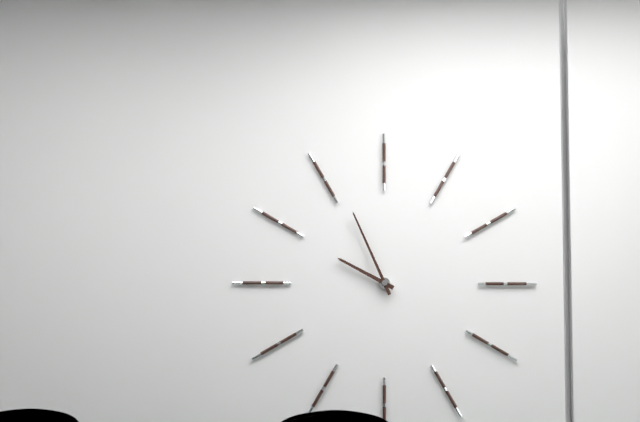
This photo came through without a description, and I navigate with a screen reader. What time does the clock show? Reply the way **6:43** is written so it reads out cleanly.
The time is **9:56**
